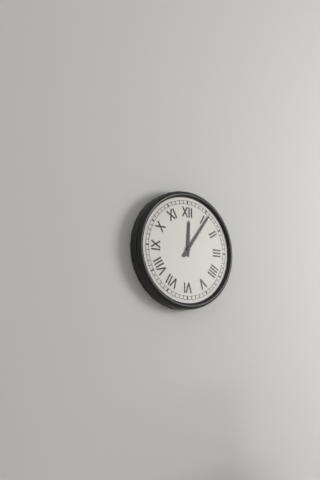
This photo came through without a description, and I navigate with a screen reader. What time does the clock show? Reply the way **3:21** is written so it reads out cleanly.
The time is **12:06**
